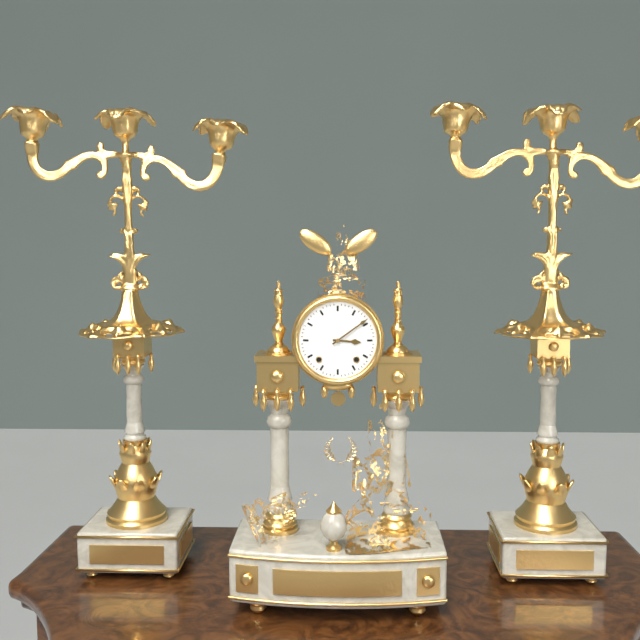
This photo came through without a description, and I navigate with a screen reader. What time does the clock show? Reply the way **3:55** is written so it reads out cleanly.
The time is **3:09**
